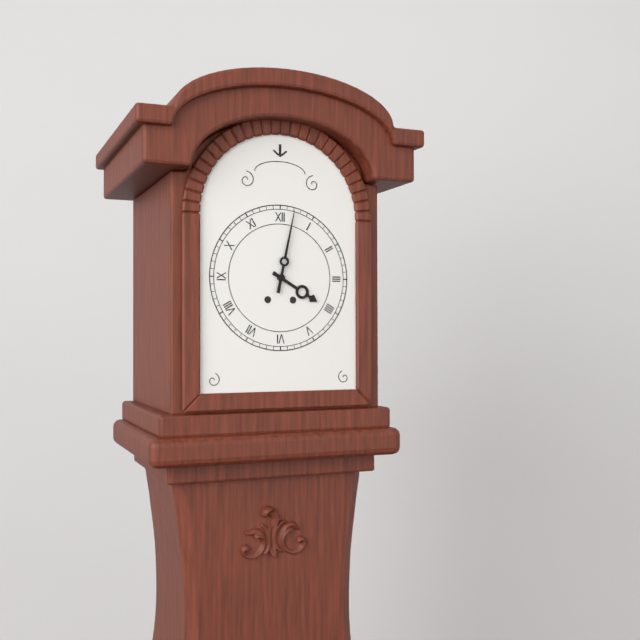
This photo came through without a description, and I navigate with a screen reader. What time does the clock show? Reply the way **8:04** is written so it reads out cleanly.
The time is **4:02**
